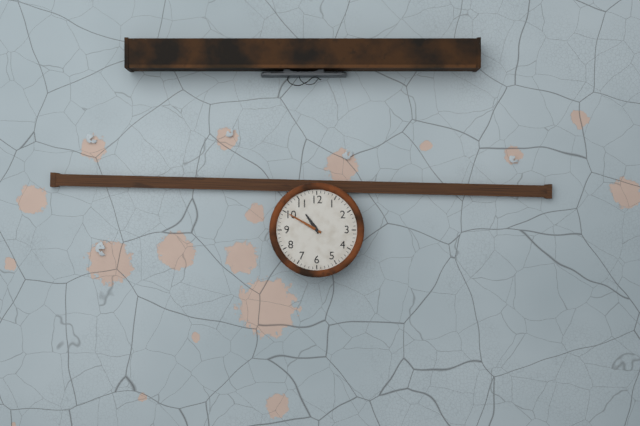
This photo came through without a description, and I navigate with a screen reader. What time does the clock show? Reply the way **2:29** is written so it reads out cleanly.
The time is **10:50**
